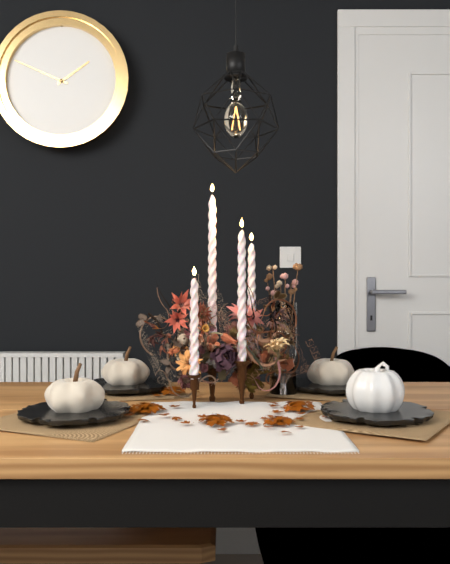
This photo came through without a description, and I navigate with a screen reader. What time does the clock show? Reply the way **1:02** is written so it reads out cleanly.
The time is **1:49**
